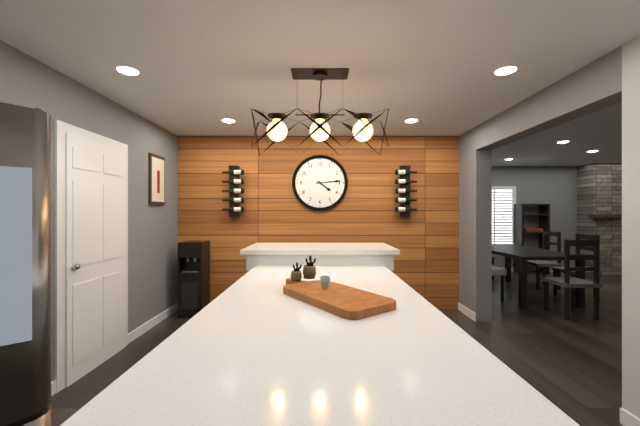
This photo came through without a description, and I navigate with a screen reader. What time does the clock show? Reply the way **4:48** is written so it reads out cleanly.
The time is **4:14**
